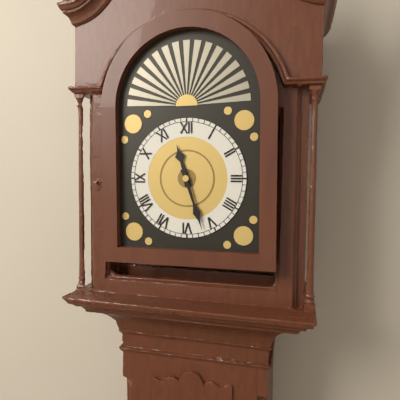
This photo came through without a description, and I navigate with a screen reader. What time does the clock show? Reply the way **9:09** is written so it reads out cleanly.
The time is **11:27**
